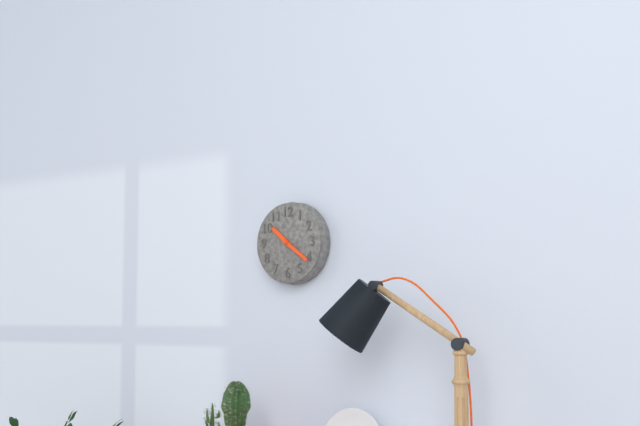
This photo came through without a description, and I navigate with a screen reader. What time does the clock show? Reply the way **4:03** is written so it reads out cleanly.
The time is **10:21**
